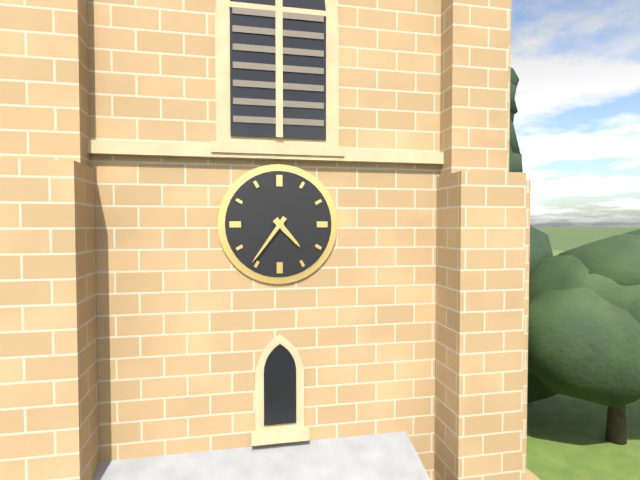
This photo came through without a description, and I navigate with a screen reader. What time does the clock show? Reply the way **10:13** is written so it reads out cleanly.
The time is **4:36**
